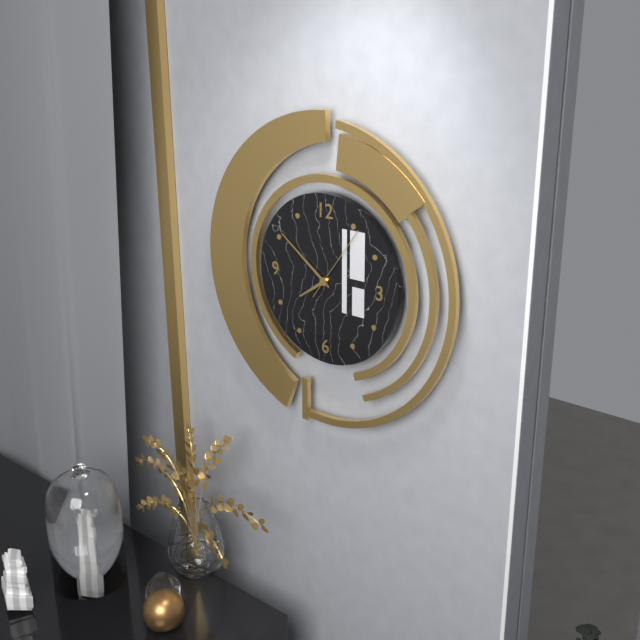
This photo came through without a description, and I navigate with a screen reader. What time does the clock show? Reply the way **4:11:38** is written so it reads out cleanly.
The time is **7:51:06**
